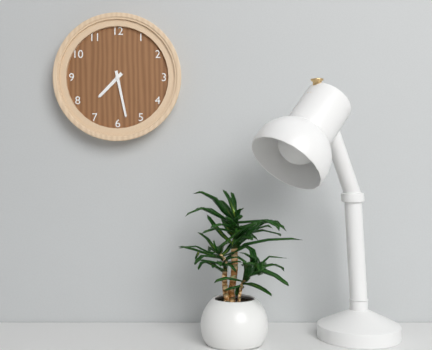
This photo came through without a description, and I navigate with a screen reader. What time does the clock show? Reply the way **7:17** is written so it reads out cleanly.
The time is **7:28**
